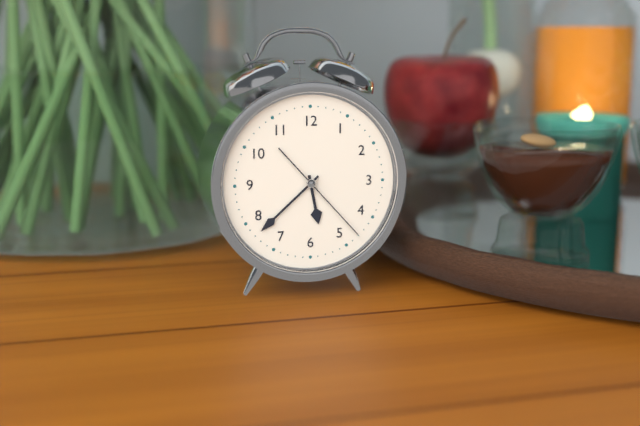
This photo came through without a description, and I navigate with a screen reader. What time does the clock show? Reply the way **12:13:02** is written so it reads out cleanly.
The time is **5:38:23**
